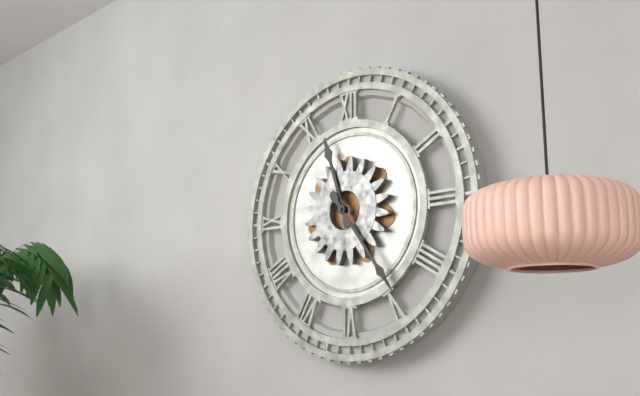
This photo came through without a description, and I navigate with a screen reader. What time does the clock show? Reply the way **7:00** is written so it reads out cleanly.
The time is **11:24**
